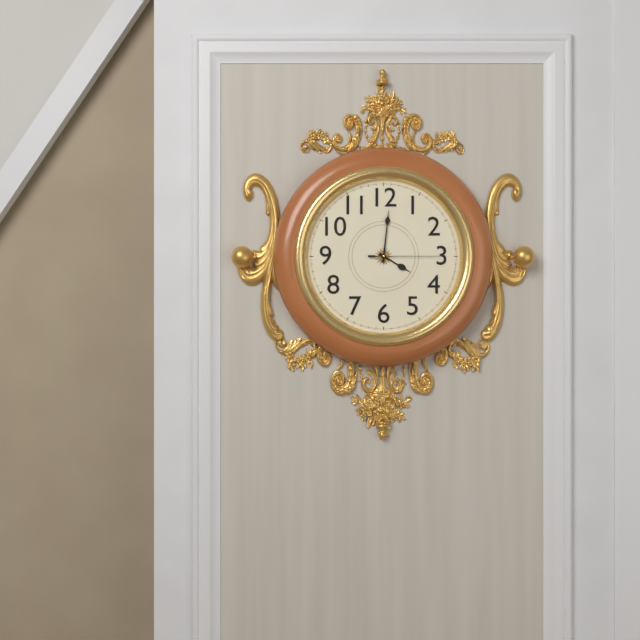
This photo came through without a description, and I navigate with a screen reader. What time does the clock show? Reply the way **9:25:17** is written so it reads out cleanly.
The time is **4:01:15**
